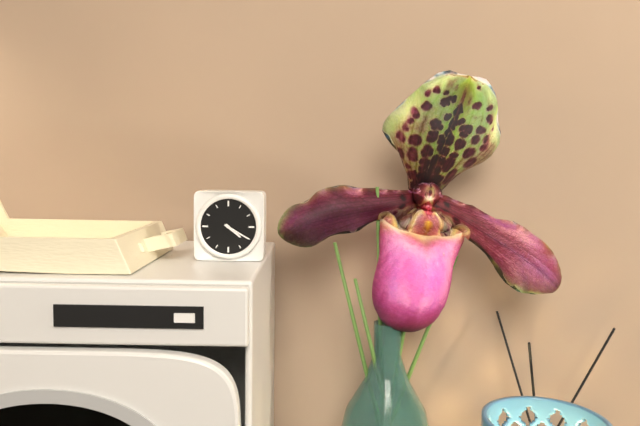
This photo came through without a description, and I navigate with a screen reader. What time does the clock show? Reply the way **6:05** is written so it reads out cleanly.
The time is **4:20**
